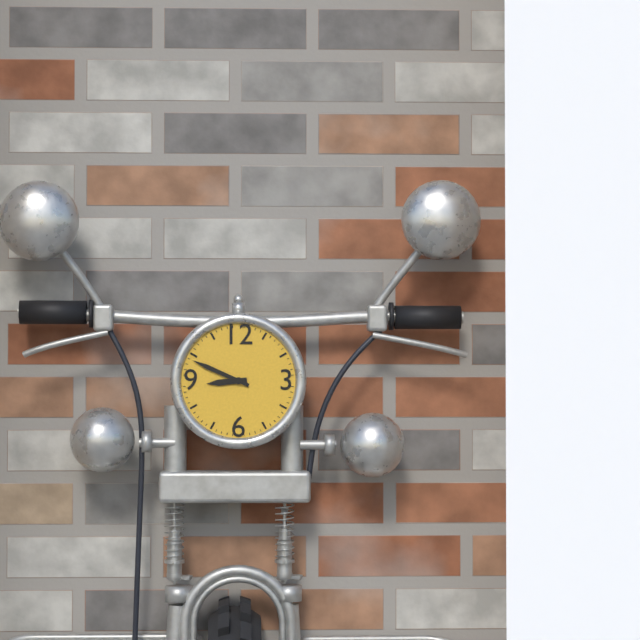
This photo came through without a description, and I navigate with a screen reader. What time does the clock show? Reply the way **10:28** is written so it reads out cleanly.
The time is **8:49**
